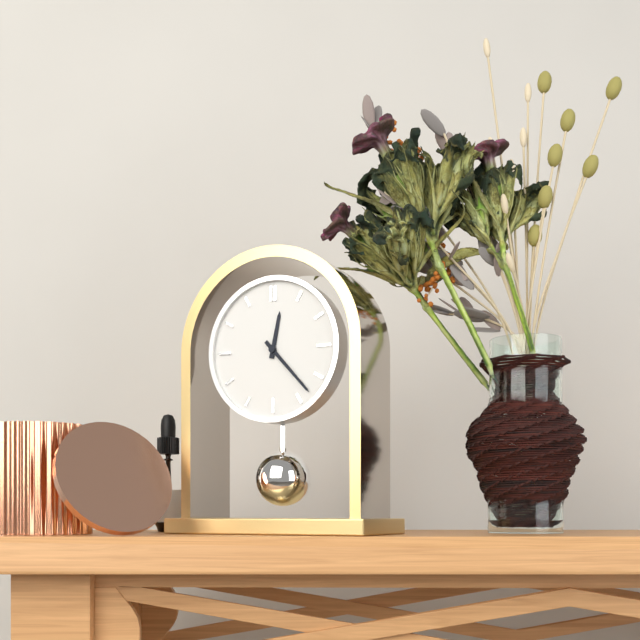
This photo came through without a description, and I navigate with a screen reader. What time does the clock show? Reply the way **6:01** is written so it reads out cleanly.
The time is **12:23**
